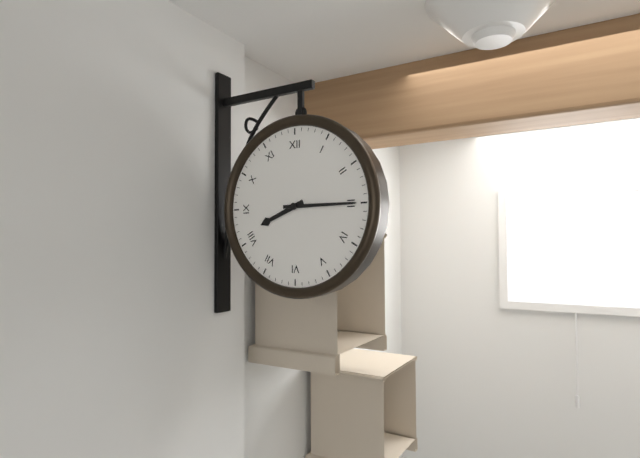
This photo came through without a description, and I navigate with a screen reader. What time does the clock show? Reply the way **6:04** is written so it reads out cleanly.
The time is **8:15**
